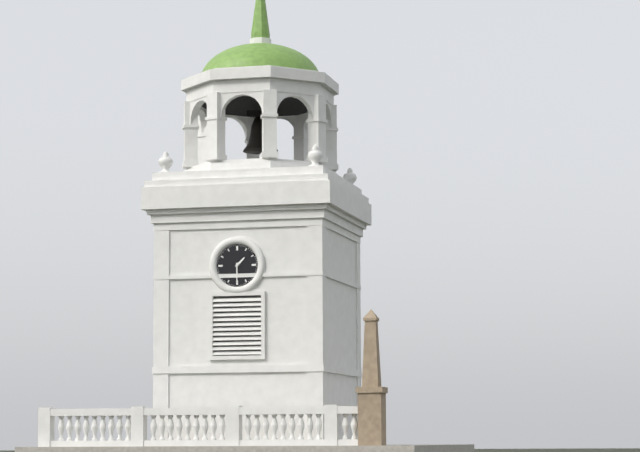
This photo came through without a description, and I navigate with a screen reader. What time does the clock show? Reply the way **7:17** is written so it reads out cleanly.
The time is **1:30**
